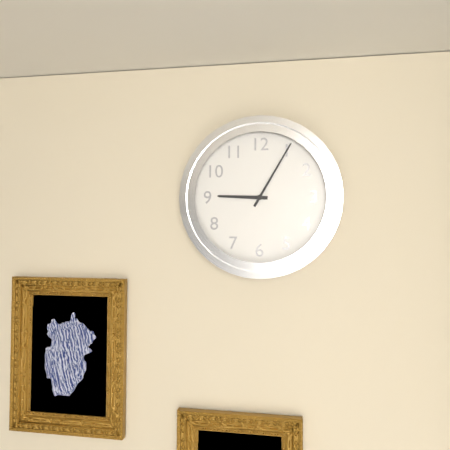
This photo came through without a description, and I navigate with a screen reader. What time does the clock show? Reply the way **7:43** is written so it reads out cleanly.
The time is **9:05**
